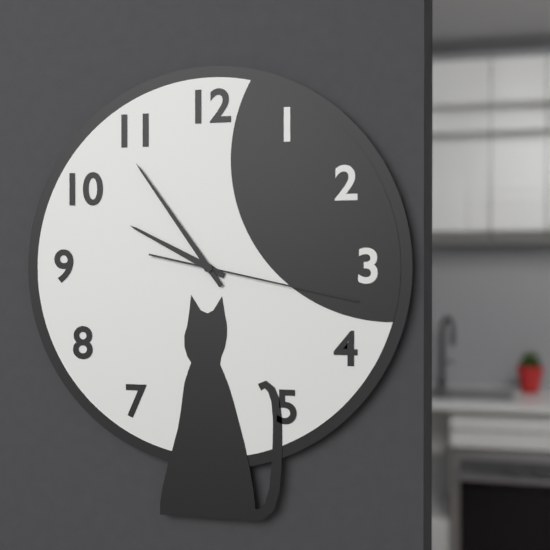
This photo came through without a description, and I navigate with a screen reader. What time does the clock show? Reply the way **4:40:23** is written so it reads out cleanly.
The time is **9:54:17**
